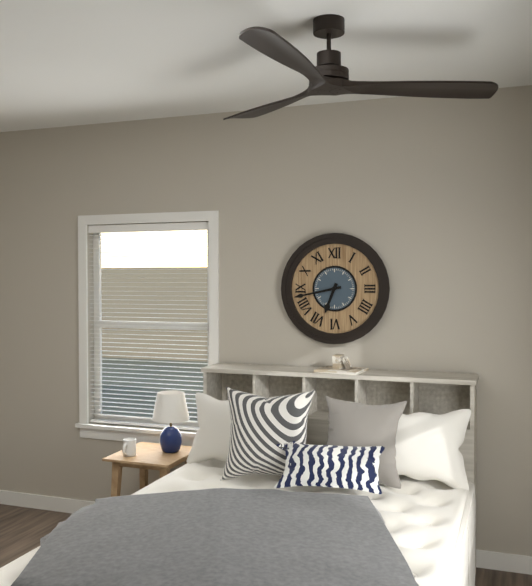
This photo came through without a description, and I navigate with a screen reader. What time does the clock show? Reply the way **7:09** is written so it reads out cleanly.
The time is **6:43**
